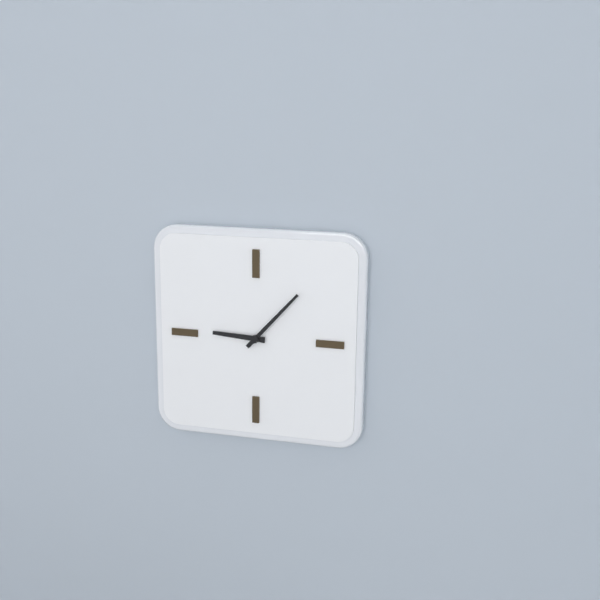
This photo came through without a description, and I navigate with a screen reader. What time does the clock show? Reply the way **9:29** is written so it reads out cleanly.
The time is **9:07**
